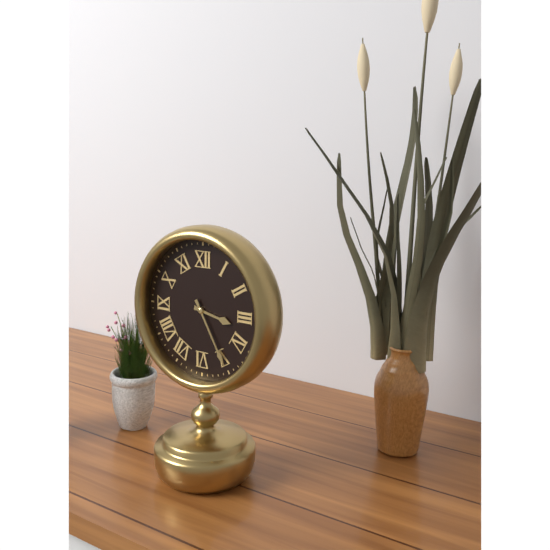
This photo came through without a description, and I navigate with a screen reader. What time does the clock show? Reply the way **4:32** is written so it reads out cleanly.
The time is **3:25**
